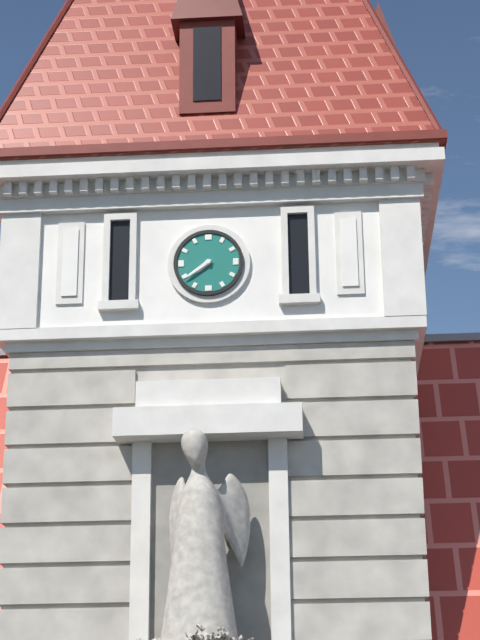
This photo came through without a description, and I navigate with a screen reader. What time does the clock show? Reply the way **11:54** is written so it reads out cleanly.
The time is **7:39**
